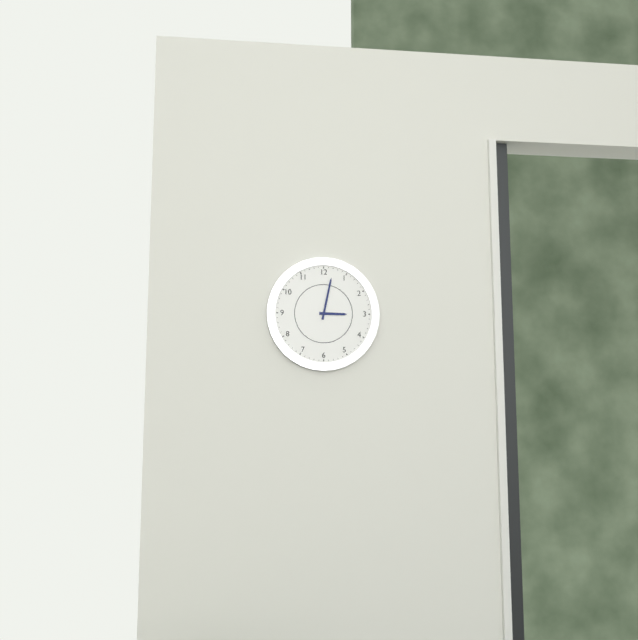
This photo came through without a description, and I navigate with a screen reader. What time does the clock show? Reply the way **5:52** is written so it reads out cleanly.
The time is **3:02**
